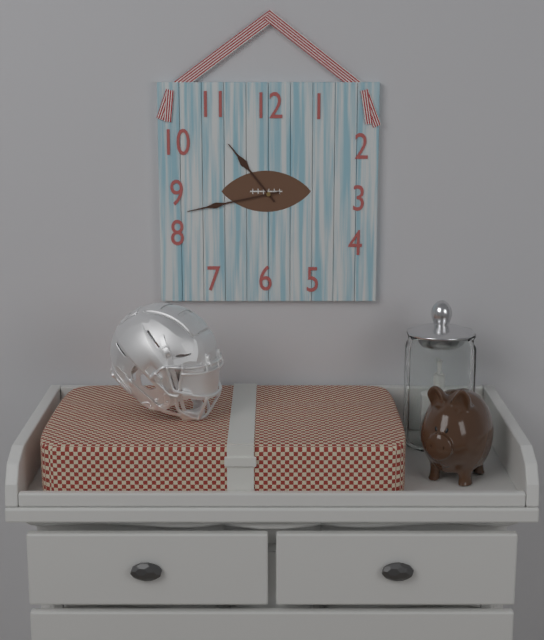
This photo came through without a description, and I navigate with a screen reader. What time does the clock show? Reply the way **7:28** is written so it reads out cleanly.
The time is **10:43**
